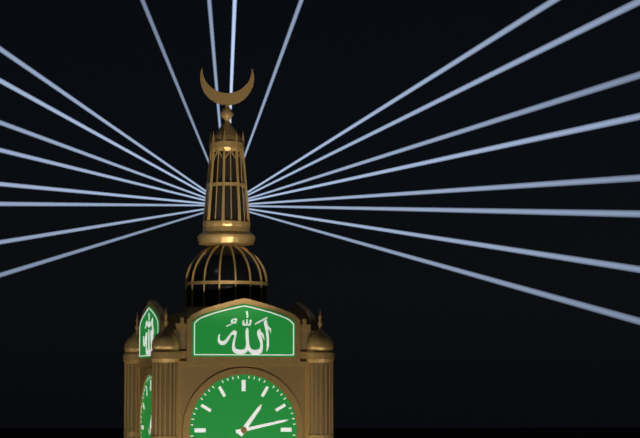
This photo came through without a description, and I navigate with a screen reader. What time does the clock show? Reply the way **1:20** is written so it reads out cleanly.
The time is **1:13**
